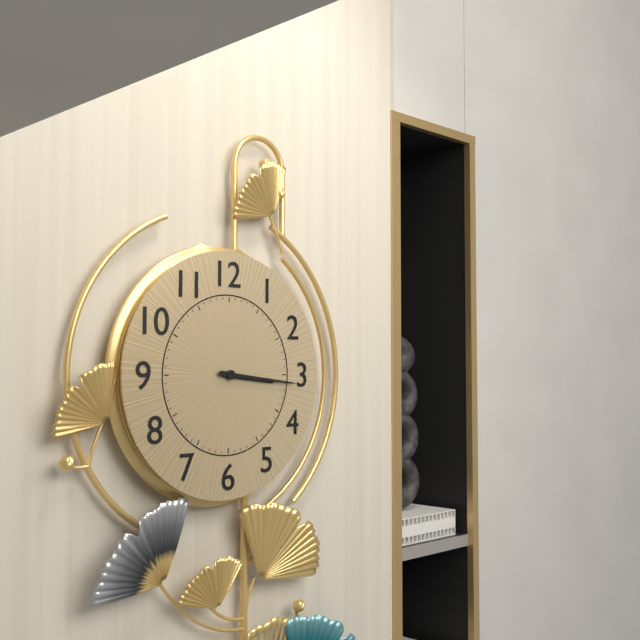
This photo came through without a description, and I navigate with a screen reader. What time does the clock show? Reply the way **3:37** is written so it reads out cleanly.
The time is **3:16**
